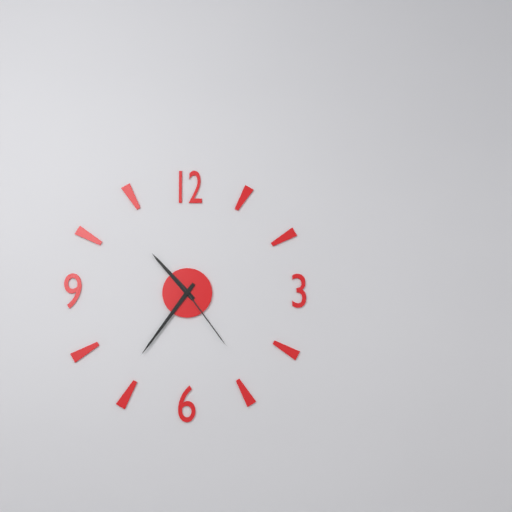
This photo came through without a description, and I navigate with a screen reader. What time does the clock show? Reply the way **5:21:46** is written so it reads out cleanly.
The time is **10:36:24**
